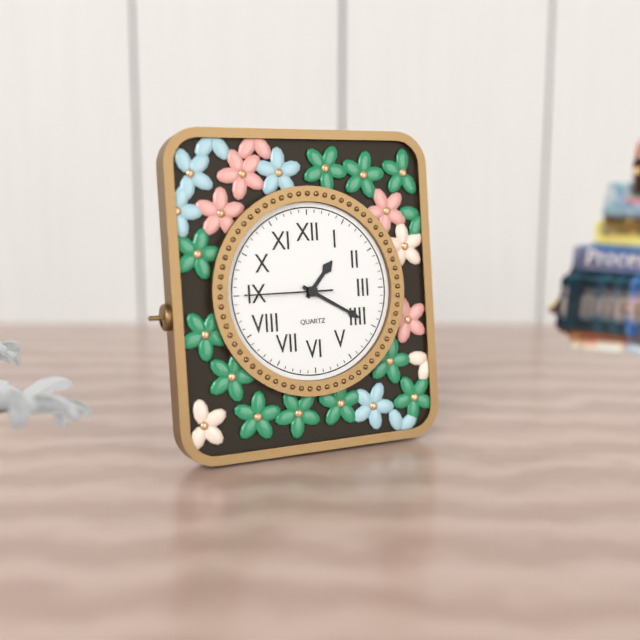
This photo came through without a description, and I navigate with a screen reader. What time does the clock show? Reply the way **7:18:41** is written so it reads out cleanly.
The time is **1:20:45**
